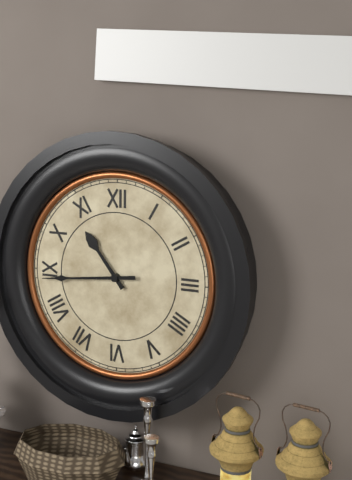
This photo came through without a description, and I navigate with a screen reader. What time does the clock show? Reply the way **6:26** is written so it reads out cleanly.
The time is **10:44**
